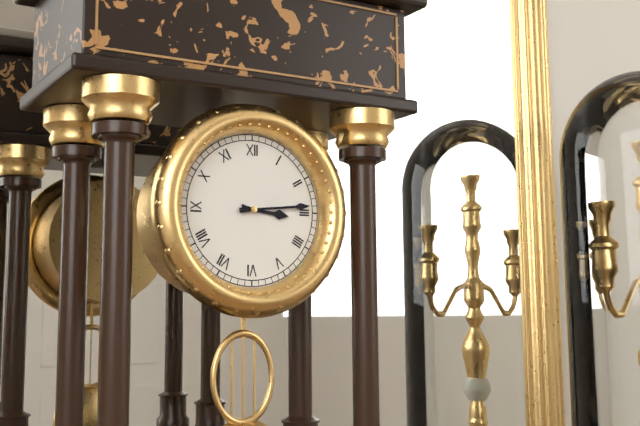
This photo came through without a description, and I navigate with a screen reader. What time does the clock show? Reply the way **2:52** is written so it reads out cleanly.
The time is **3:14**
